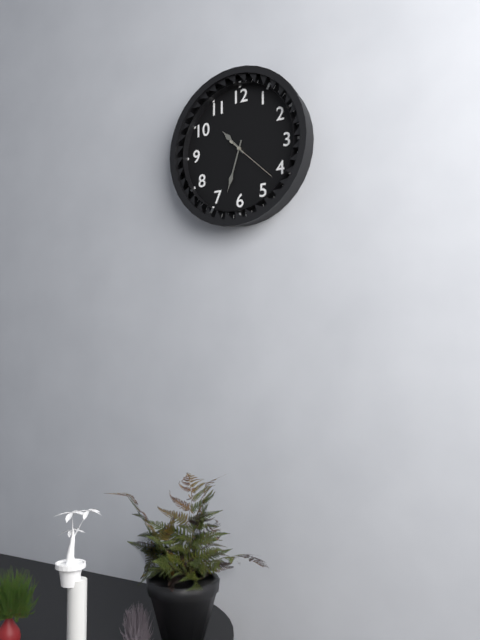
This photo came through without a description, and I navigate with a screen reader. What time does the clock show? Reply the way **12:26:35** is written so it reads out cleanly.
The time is **10:33:22**
